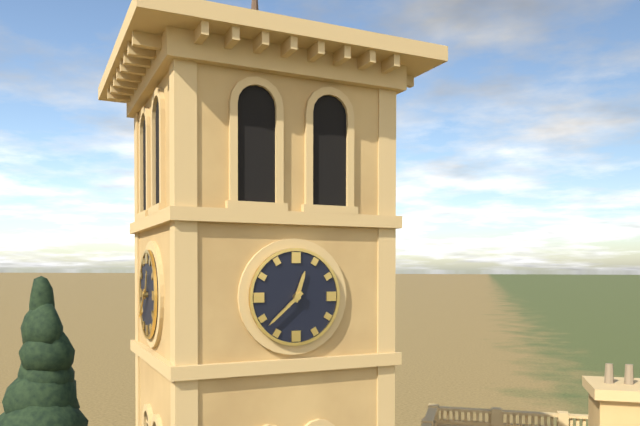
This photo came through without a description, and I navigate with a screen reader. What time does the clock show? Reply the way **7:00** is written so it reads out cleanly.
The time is **12:38**
